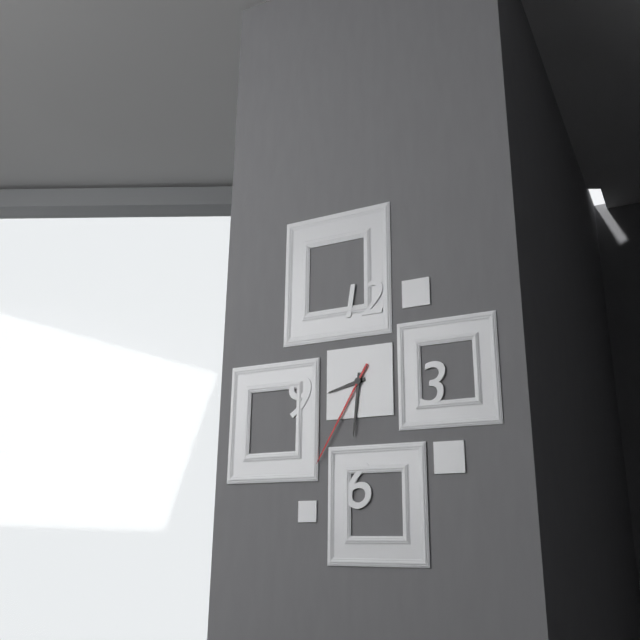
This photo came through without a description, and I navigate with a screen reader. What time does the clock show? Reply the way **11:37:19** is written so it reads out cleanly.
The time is **8:31:35**
